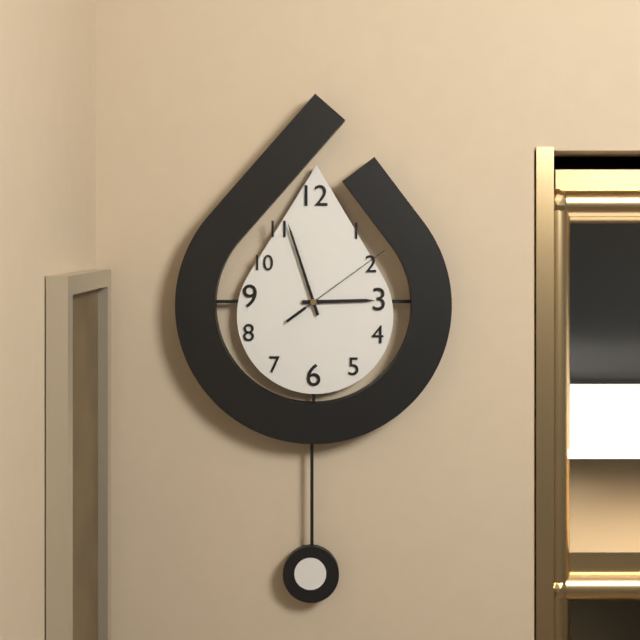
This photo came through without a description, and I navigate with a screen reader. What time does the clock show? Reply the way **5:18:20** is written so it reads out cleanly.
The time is **2:57:09**
